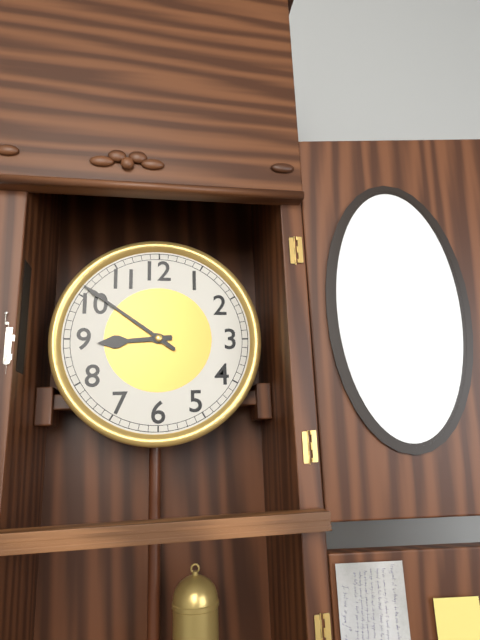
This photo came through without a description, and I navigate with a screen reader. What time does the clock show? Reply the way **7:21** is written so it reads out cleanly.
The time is **8:51**
